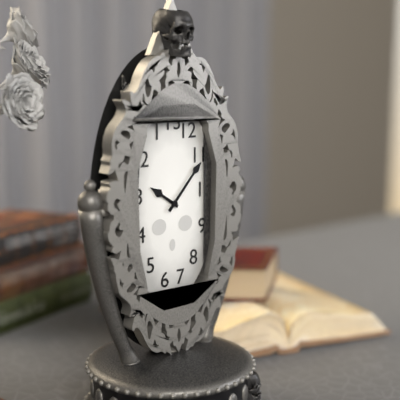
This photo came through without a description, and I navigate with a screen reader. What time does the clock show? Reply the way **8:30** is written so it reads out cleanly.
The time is **10:07**
